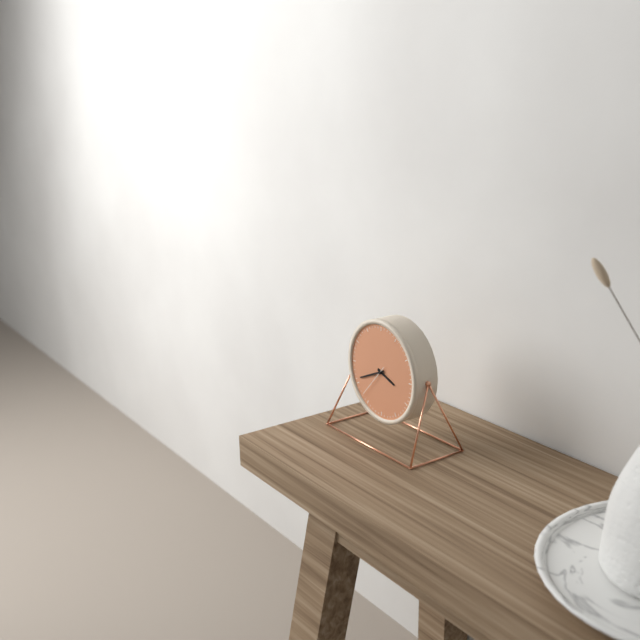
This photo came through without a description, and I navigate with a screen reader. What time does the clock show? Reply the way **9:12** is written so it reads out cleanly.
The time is **3:41**
